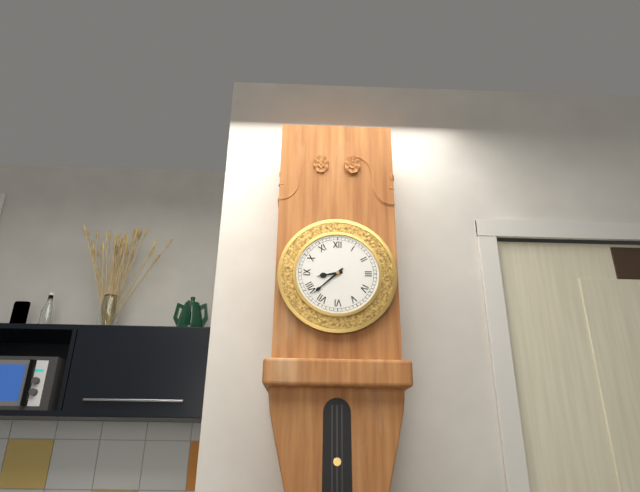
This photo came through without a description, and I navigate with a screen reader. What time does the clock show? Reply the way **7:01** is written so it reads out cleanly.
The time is **8:38**
